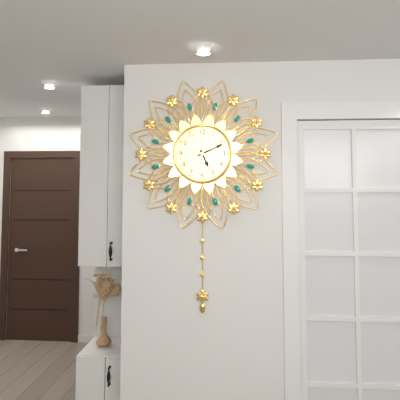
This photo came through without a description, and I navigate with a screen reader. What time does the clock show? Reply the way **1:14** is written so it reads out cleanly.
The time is **5:11**
